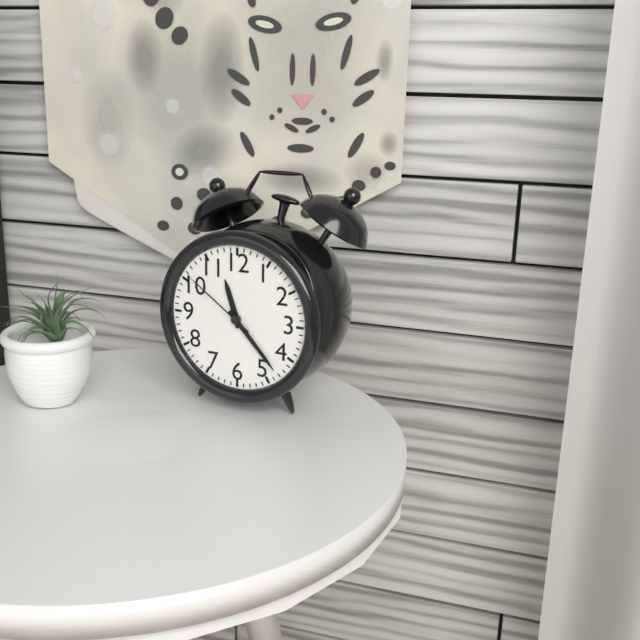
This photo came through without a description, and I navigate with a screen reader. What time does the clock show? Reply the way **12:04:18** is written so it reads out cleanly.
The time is **11:23:51**
